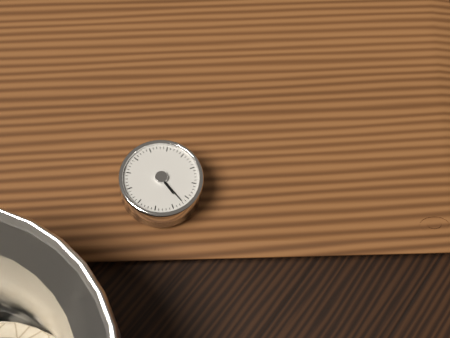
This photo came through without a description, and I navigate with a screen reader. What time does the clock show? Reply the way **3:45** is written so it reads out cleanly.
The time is **6:32**
